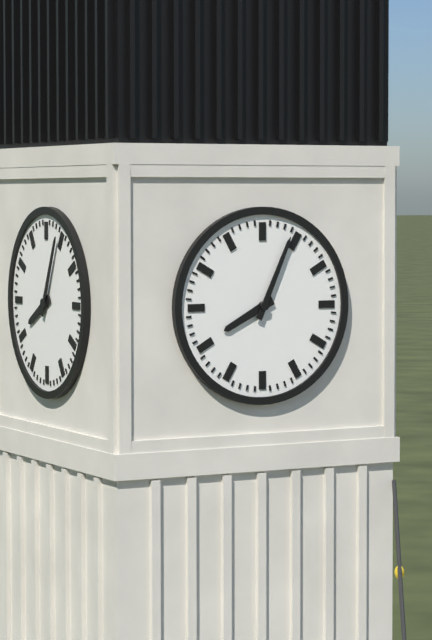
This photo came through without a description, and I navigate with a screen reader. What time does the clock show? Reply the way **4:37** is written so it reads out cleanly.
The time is **8:04**
